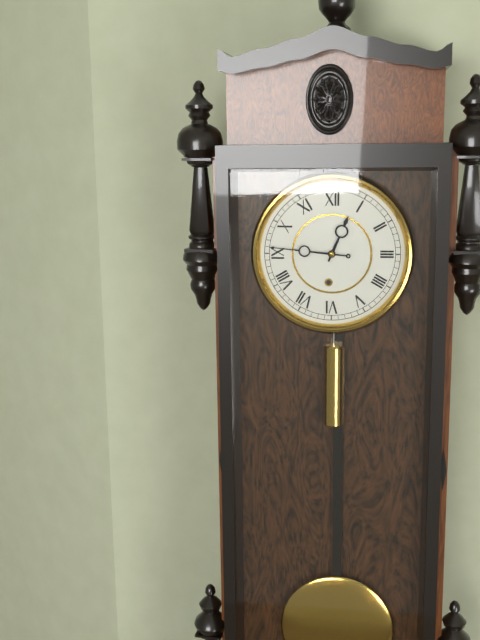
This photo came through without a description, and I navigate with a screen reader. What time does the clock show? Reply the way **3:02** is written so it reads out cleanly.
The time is **12:46**
